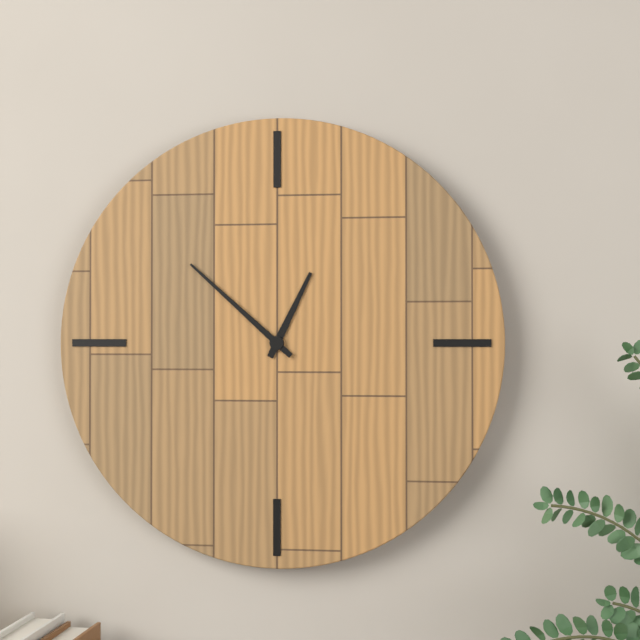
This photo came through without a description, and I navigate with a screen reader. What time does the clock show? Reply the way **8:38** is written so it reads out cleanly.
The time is **12:52**
